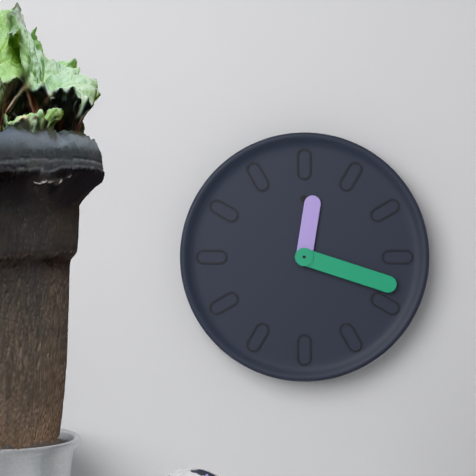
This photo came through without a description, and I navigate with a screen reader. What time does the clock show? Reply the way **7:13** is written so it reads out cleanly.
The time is **12:18**
